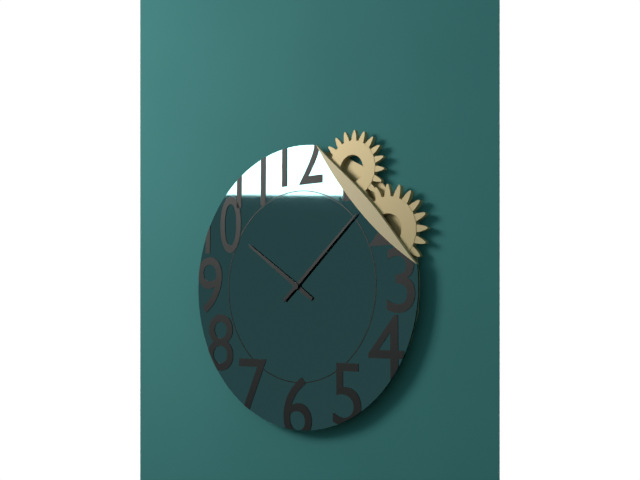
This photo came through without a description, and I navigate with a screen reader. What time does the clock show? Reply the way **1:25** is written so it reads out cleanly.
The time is **10:08**
